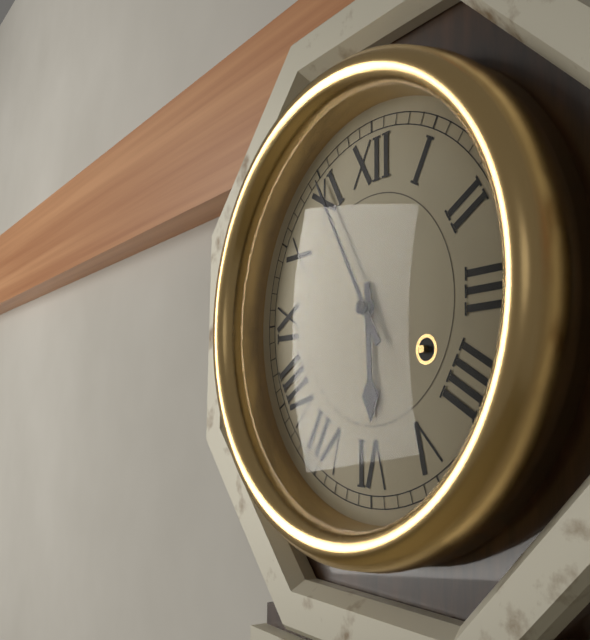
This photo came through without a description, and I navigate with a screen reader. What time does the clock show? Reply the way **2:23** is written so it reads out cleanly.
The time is **5:55**
